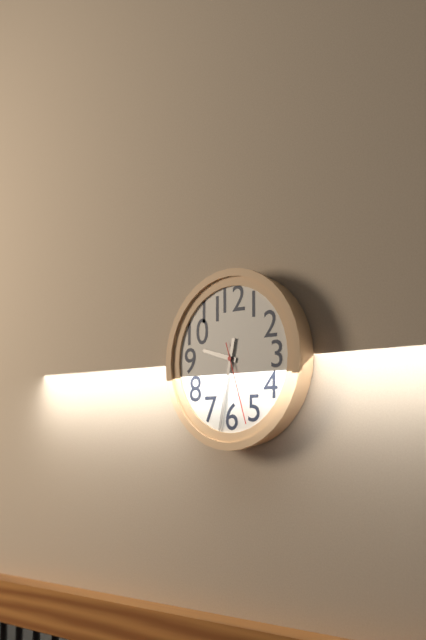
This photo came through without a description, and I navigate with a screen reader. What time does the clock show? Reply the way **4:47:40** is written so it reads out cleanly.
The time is **9:32:27**
